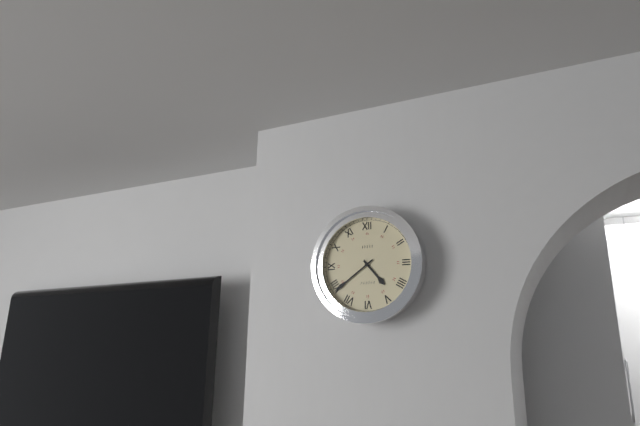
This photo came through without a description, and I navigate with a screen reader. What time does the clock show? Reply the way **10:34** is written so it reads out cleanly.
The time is **4:39**
